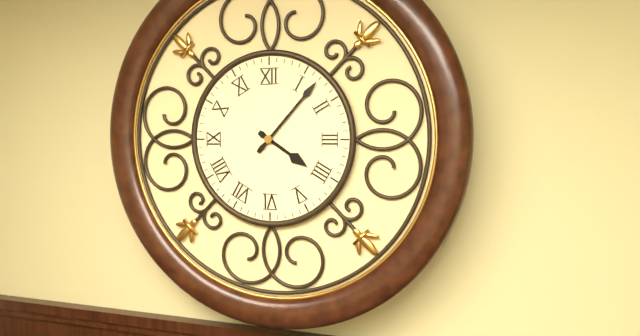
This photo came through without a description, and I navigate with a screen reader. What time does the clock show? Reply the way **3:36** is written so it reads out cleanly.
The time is **4:07**
